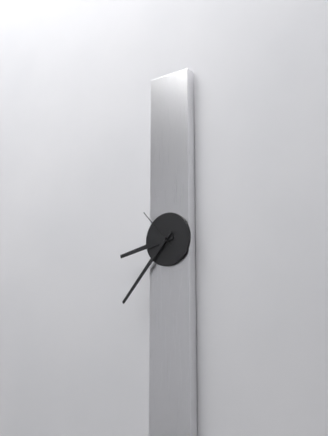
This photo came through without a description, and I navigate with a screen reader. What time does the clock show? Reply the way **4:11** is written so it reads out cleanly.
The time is **8:37**
